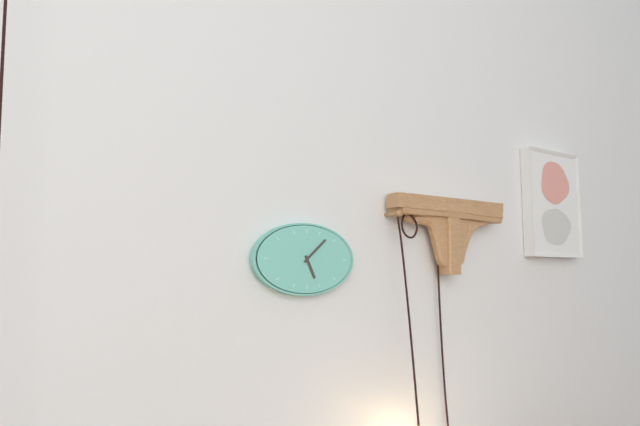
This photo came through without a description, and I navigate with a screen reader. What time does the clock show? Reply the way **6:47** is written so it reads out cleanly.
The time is **5:08**
